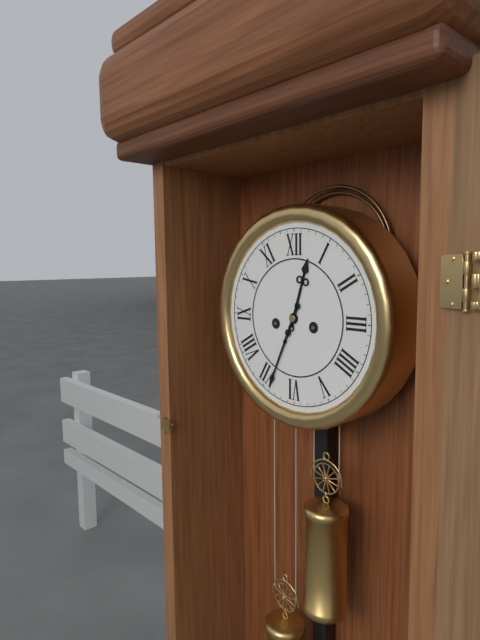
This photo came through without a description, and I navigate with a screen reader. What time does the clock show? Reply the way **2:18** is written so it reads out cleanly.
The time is **12:34**
